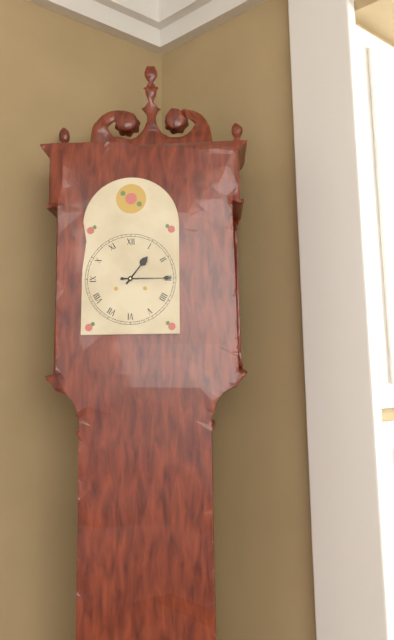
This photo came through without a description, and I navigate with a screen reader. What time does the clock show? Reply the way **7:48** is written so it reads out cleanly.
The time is **1:15**
